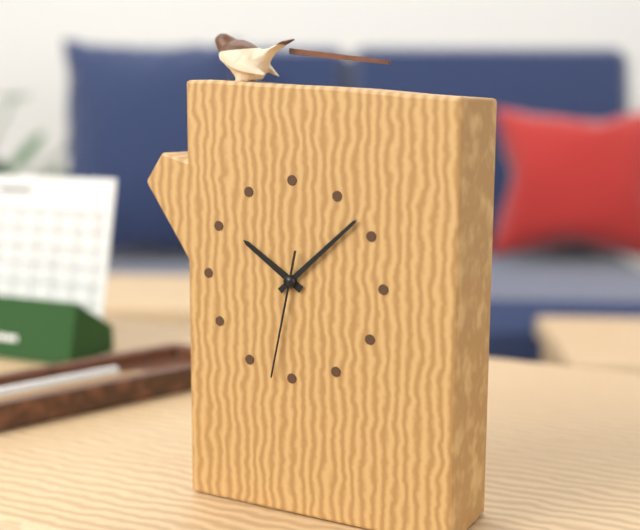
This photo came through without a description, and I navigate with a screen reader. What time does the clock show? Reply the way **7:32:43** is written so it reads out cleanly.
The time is **10:08:32**
